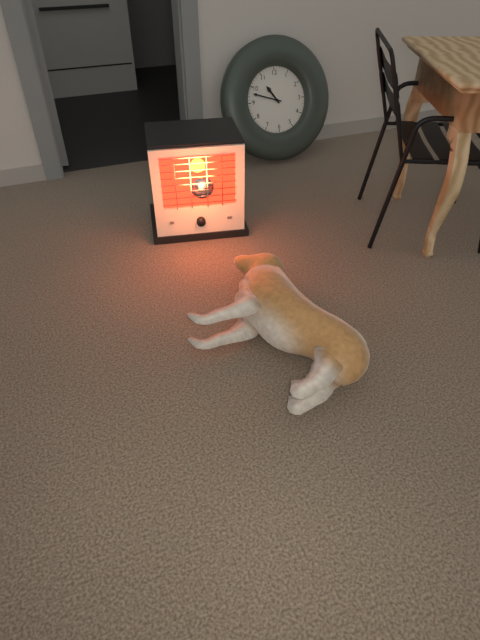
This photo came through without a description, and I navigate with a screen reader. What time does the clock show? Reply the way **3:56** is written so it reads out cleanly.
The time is **10:48**
